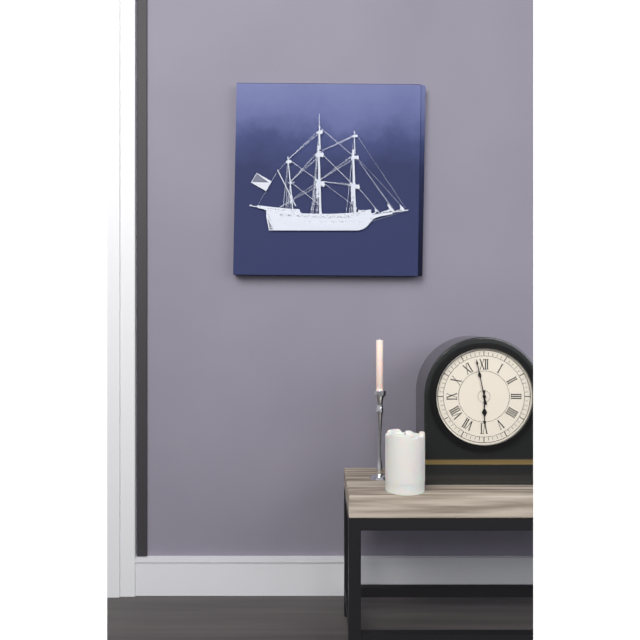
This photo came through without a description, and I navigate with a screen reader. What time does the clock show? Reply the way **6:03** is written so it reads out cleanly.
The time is **5:58**
